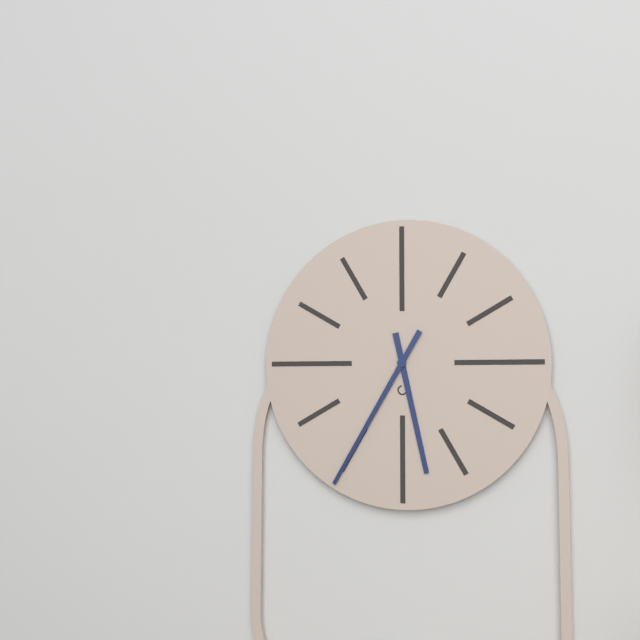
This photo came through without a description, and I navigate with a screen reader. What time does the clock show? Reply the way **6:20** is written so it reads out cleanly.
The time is **5:35**
